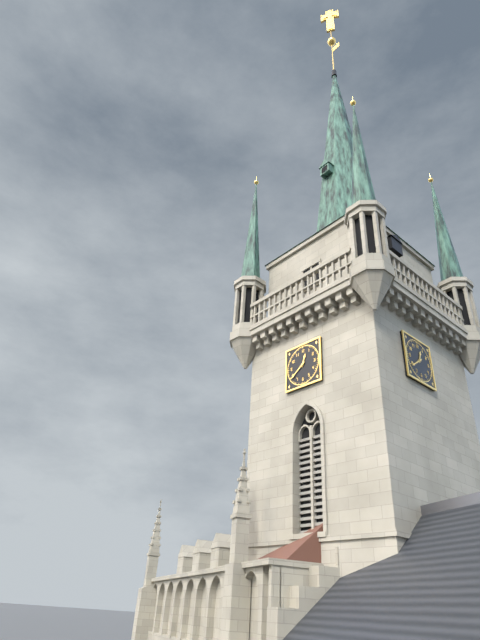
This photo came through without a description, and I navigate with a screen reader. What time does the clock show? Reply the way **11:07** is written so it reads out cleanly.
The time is **12:39**
